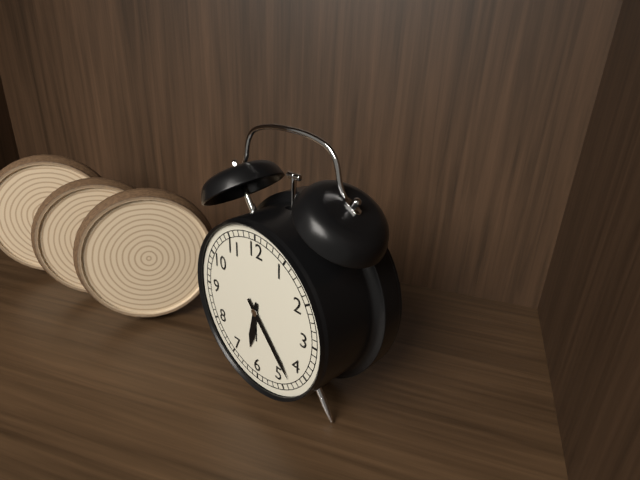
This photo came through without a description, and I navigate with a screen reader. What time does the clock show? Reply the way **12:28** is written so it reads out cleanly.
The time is **6:23**
